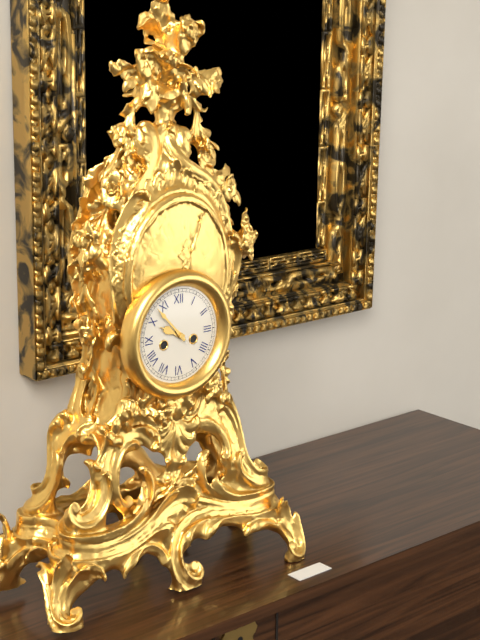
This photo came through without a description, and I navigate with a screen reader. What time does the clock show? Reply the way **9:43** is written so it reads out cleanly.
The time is **9:53**
